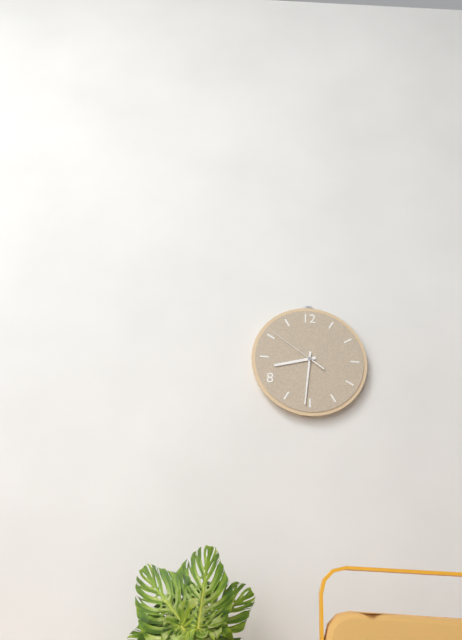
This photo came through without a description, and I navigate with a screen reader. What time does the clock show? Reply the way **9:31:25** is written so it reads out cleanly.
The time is **8:31:51**
